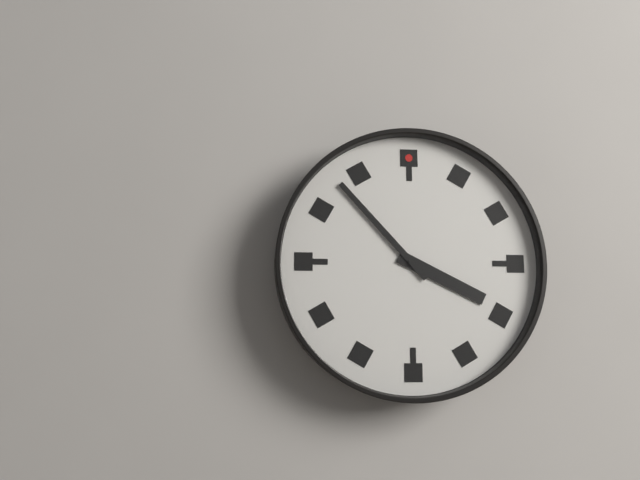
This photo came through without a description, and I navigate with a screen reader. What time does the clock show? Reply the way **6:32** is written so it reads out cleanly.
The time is **3:53**
